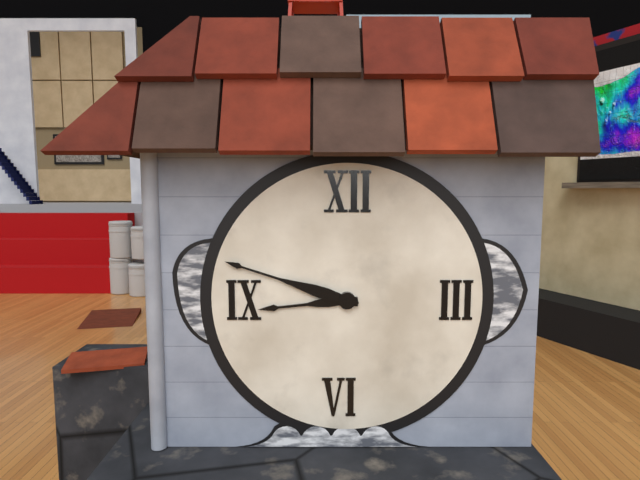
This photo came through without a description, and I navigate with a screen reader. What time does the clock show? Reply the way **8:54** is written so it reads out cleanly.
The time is **8:48**
